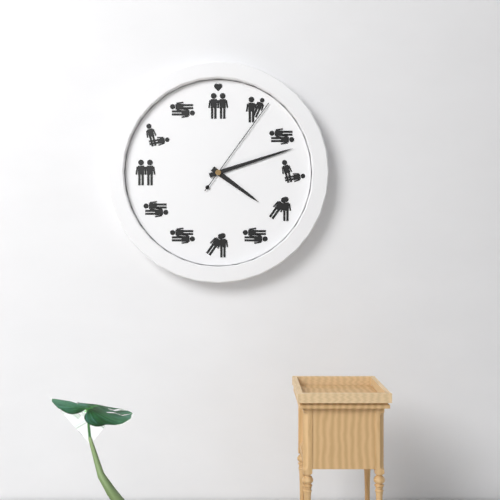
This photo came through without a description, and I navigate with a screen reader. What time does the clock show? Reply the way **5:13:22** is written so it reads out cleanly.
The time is **4:12:06**
